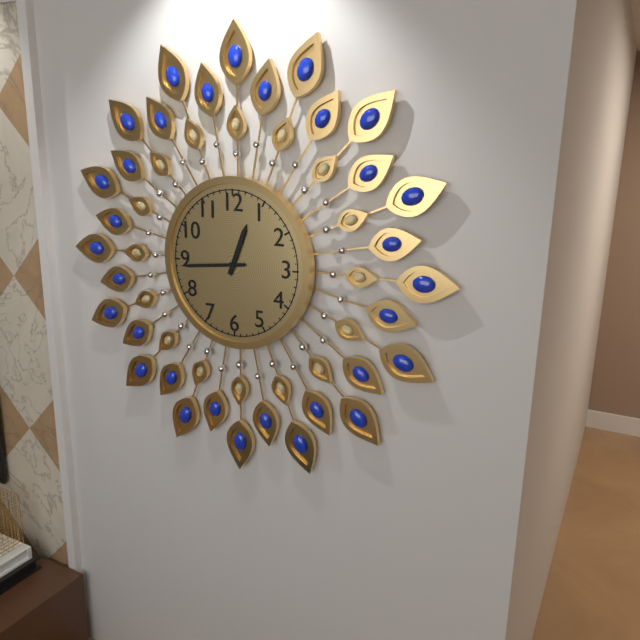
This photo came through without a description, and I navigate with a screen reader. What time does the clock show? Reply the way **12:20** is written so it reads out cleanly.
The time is **12:44**
